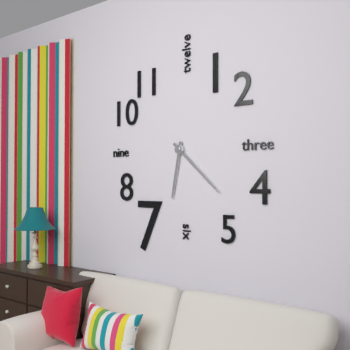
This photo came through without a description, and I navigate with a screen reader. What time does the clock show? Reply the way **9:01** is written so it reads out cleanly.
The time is **6:22**
